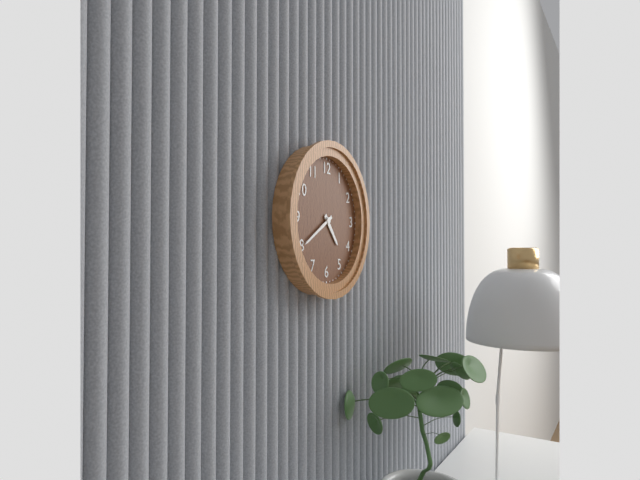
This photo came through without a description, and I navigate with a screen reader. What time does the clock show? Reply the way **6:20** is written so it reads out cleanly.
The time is **4:40**
